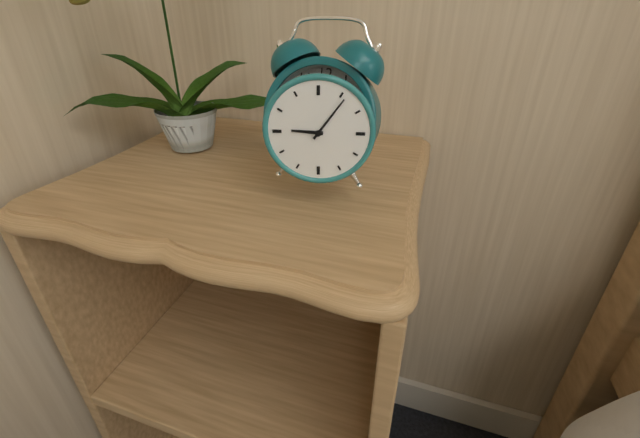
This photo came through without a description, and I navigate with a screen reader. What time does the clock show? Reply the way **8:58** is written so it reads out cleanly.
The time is **9:06**
